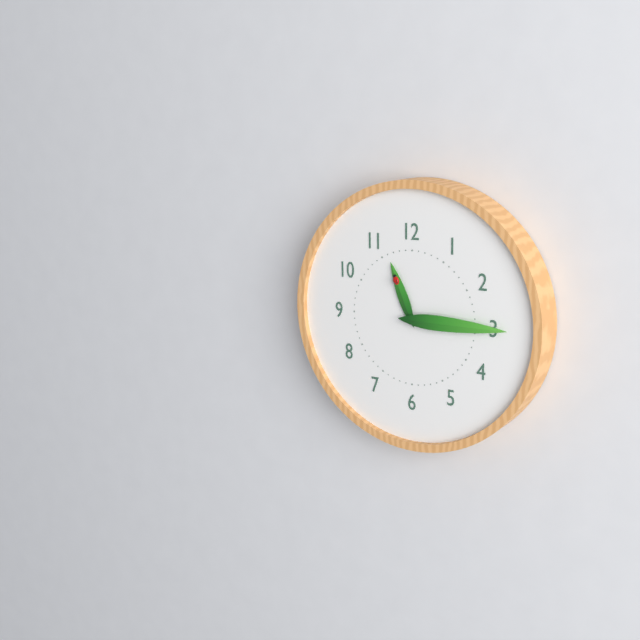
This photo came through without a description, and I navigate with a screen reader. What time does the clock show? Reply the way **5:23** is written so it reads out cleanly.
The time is **11:15**
